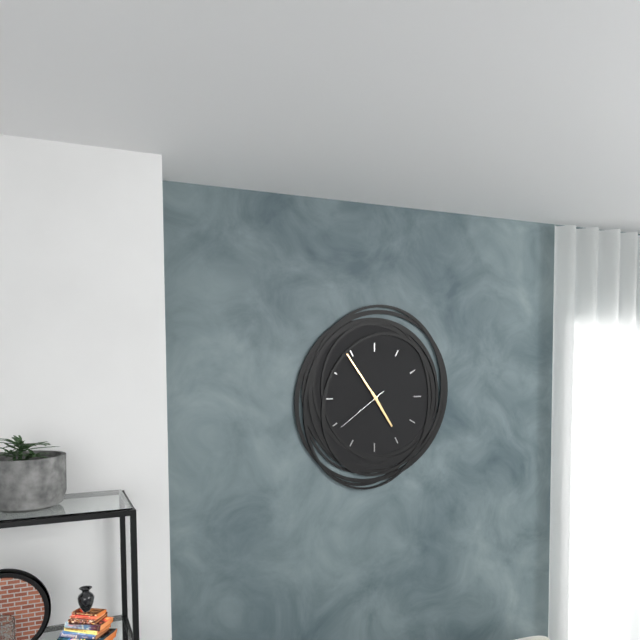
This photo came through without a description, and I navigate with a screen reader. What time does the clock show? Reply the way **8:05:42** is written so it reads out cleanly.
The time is **4:54:39**
